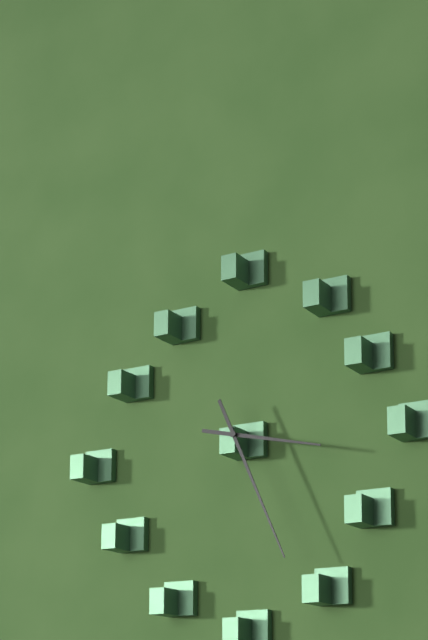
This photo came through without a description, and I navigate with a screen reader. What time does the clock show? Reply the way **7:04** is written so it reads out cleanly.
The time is **3:26**
